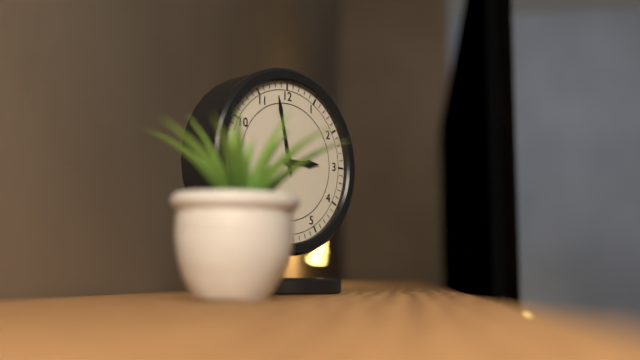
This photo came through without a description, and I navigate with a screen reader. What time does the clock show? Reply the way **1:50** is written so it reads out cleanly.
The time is **2:58**
